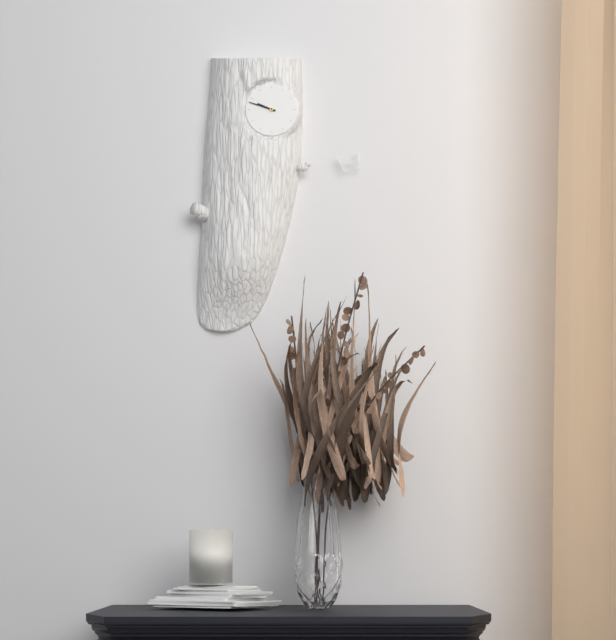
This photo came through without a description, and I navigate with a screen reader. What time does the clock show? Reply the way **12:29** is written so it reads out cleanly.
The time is **9:48**
